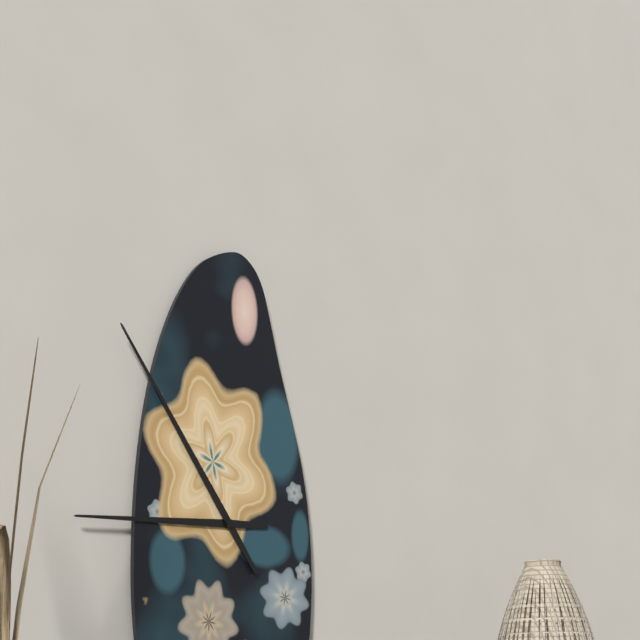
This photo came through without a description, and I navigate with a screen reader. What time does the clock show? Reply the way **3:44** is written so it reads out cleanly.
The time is **8:54**
